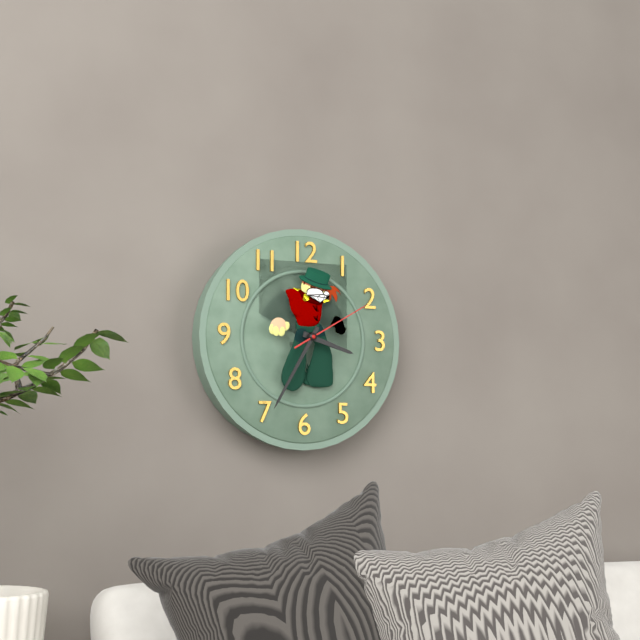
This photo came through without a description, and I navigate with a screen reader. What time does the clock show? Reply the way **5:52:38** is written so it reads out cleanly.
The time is **3:35:10**
